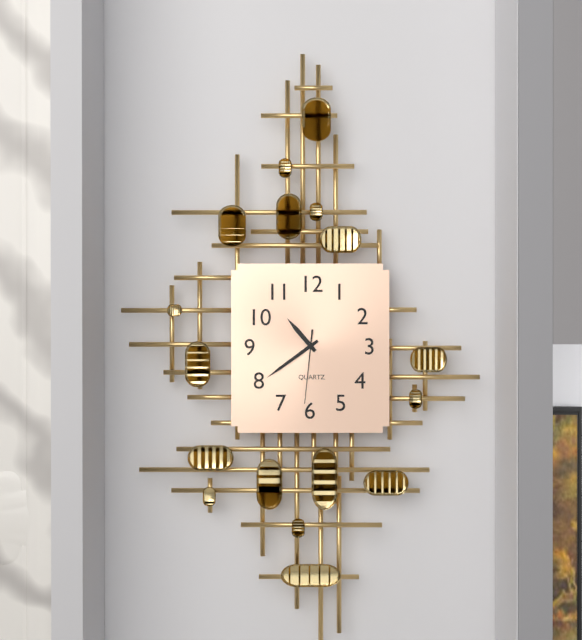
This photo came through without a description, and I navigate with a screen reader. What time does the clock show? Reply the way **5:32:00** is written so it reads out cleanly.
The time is **10:39:31**
